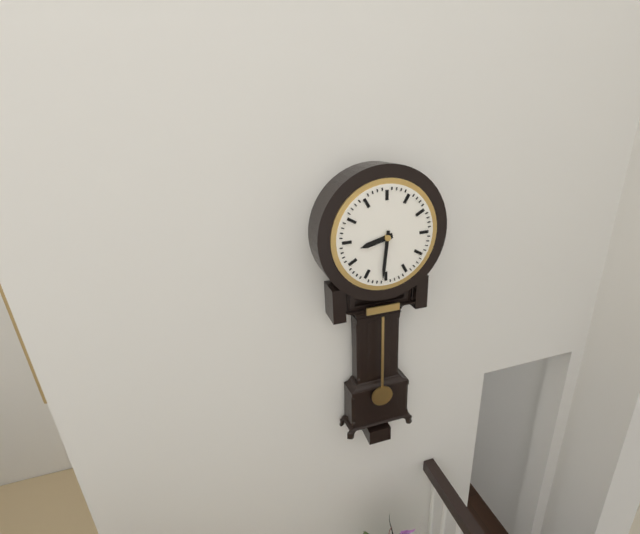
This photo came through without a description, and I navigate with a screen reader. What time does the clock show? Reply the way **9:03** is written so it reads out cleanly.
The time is **8:31**
